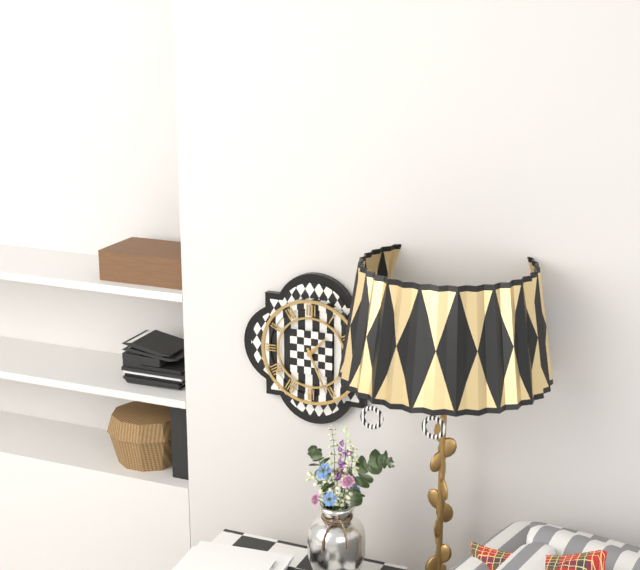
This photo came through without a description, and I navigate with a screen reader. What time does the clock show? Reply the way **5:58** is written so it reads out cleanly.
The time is **1:26**
